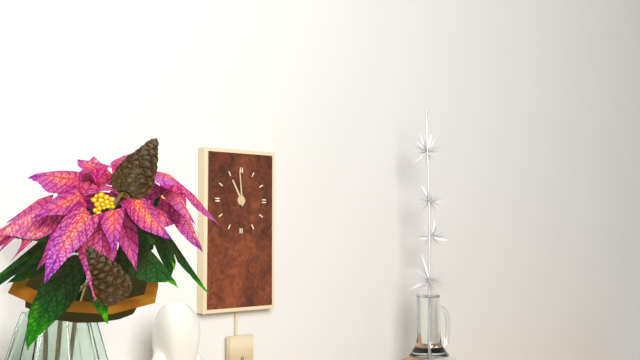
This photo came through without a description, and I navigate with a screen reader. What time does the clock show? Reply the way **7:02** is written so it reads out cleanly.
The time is **10:59**
